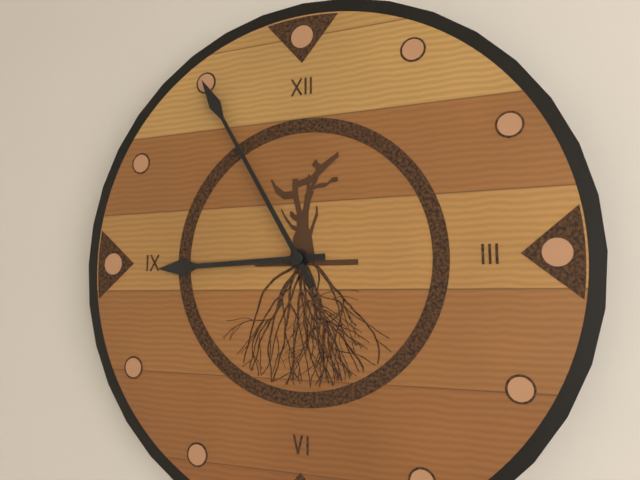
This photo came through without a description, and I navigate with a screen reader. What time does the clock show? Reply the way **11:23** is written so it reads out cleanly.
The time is **8:55**
